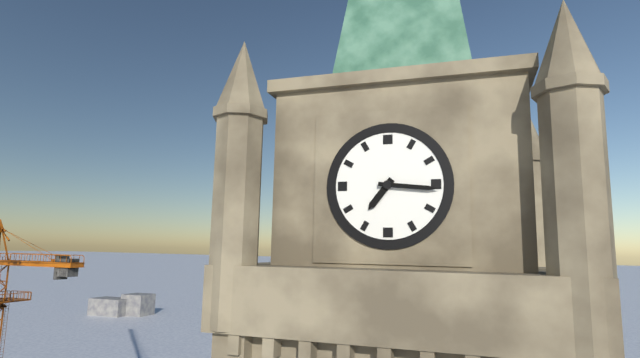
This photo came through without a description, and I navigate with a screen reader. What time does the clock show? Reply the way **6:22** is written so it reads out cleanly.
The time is **7:16**
